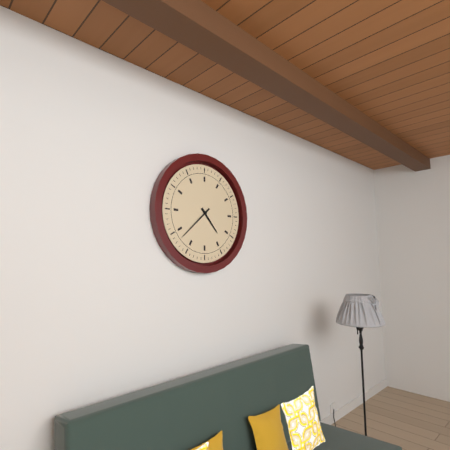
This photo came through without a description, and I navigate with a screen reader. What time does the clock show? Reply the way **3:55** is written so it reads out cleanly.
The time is **4:38**
